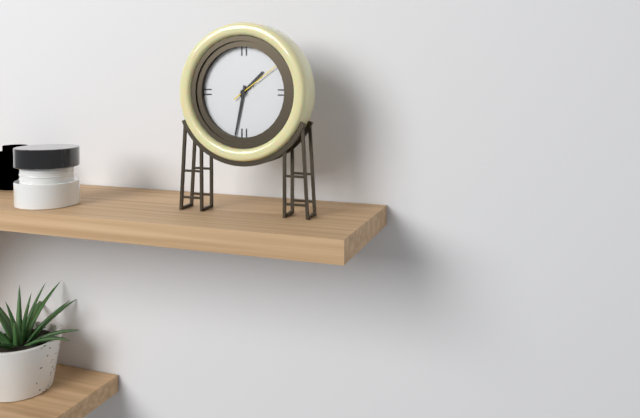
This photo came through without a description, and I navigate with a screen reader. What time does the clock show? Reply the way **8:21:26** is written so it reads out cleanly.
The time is **1:32:09**
